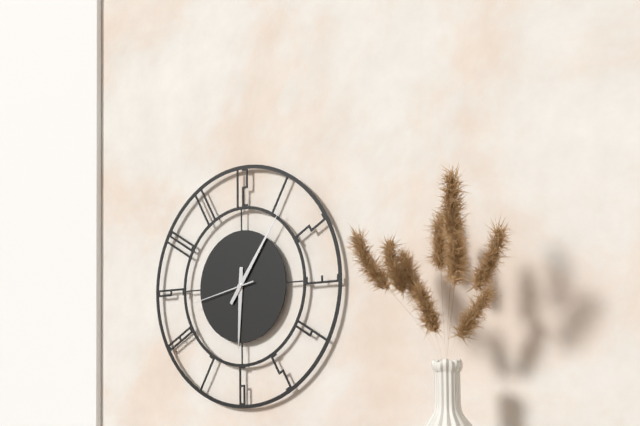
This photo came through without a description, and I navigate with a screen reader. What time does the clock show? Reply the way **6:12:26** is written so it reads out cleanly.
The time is **6:06:43**
